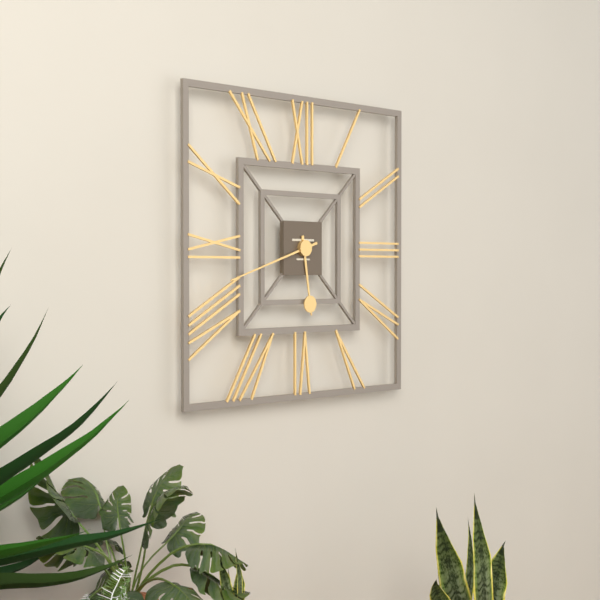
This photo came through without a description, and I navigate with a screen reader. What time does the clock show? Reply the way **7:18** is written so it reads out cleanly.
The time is **5:42**
